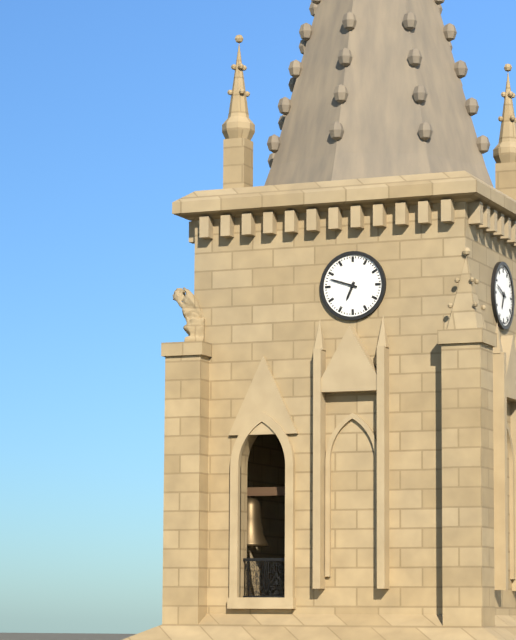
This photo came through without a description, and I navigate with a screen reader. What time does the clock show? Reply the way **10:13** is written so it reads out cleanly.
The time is **6:48**
